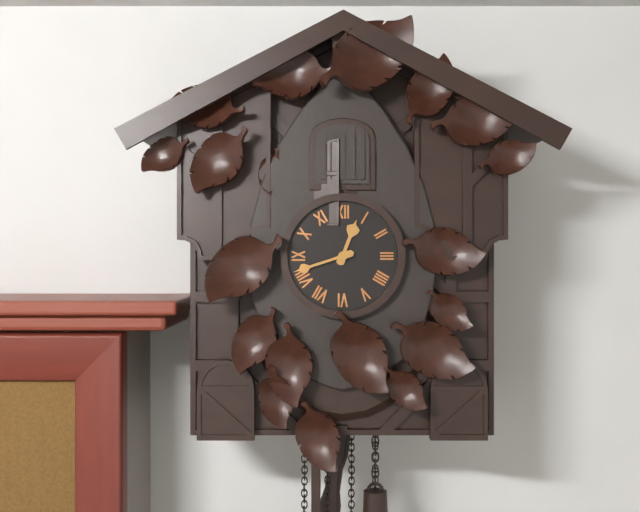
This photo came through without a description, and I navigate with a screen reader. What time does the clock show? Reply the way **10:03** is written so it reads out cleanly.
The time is **12:42**
